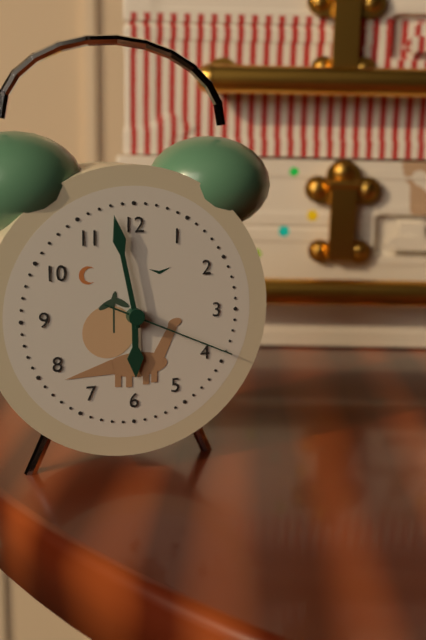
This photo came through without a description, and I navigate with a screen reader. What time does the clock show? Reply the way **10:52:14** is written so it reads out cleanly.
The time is **5:58:19**
